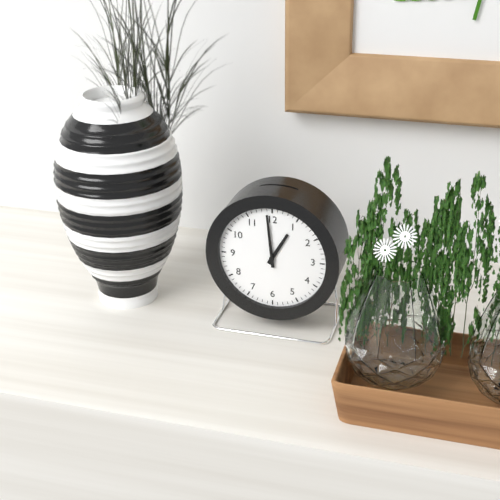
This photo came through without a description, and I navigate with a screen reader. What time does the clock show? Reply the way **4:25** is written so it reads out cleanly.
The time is **12:59**
